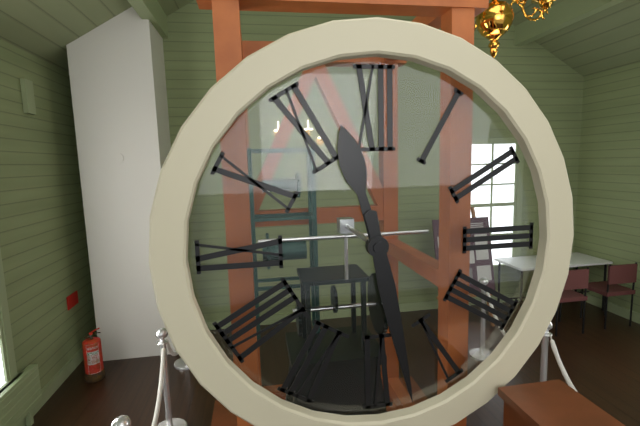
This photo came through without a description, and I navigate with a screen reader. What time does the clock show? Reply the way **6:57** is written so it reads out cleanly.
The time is **11:28**
